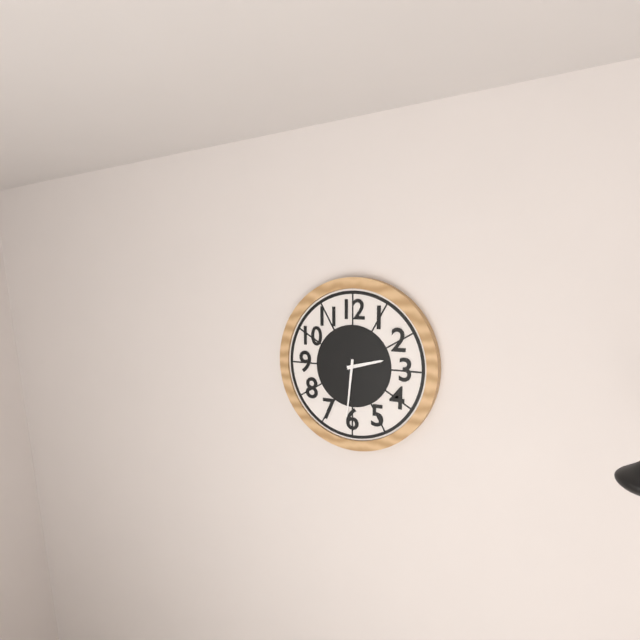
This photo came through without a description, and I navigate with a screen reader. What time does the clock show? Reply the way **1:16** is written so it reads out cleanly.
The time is **2:31**
